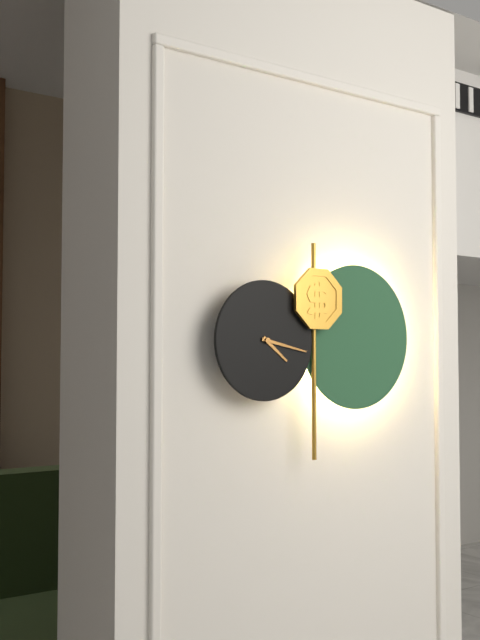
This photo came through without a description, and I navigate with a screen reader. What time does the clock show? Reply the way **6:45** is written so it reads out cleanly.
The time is **4:17**
